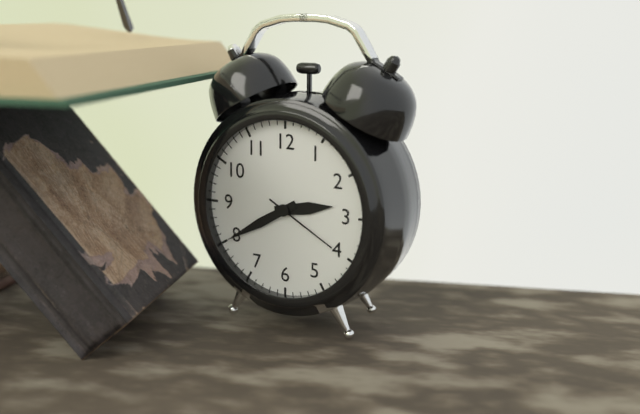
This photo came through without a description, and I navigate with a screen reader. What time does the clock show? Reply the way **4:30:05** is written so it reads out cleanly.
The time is **2:40:20**
